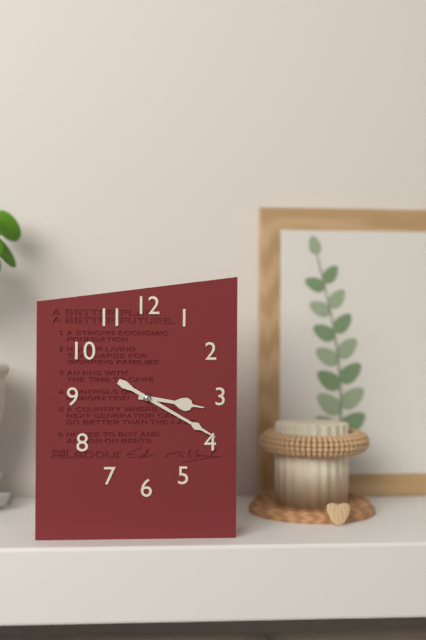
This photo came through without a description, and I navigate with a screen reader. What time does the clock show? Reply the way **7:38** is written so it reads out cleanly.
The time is **3:20**
